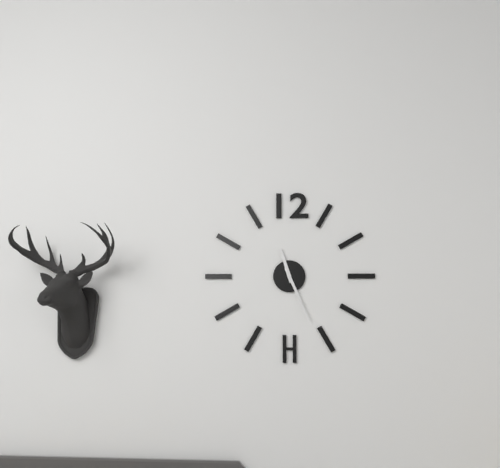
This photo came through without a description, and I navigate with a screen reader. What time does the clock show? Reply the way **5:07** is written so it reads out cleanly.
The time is **11:26**
